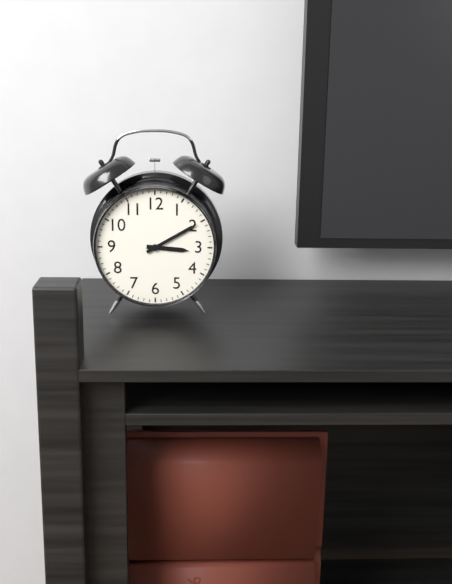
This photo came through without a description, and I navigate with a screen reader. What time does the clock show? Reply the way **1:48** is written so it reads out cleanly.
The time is **3:10**
